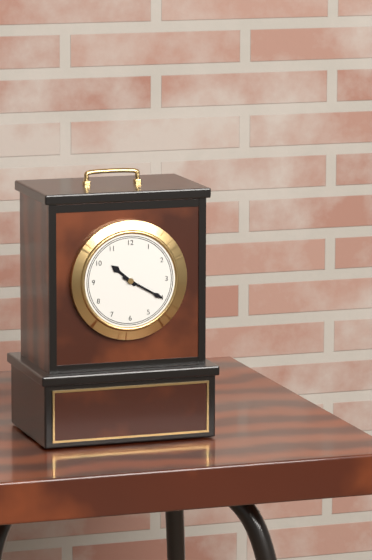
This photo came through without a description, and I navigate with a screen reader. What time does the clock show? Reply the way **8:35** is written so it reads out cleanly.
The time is **10:20**
